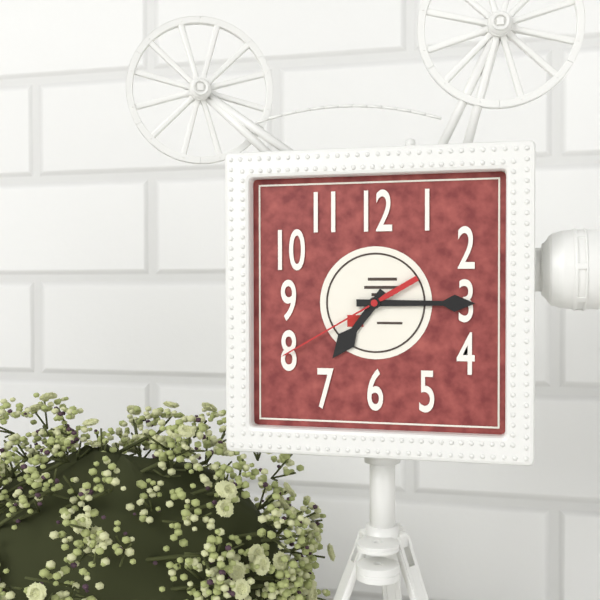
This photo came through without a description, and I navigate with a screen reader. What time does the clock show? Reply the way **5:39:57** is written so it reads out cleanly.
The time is **7:15:40**
